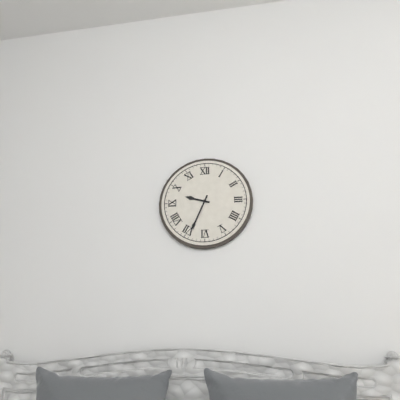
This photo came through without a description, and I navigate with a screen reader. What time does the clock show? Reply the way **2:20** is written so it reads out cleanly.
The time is **9:34**
